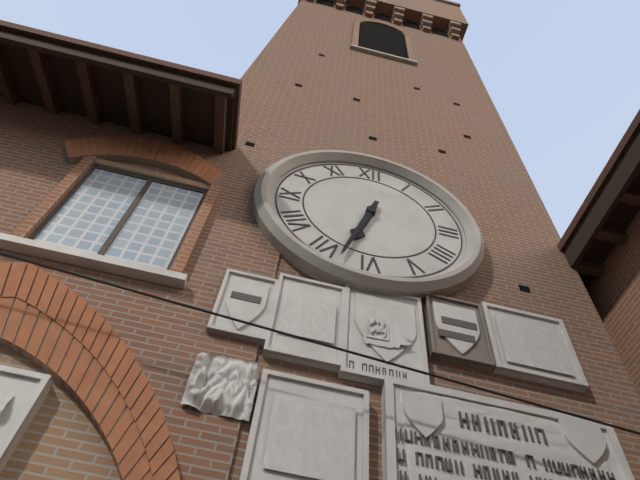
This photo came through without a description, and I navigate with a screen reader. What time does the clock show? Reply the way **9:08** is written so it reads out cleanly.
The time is **6:33**
